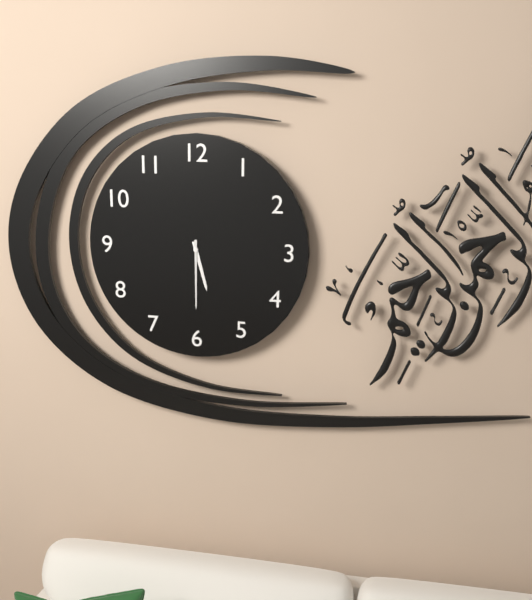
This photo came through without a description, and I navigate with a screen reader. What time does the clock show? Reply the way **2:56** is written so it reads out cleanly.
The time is **5:30**
